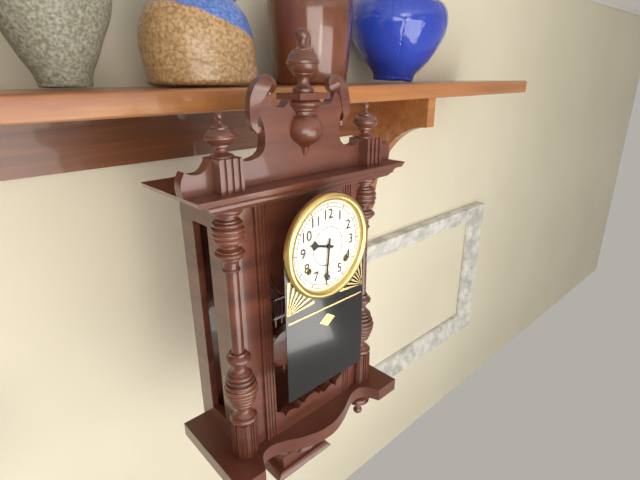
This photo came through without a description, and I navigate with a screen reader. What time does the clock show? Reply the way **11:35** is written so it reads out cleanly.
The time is **9:31**
